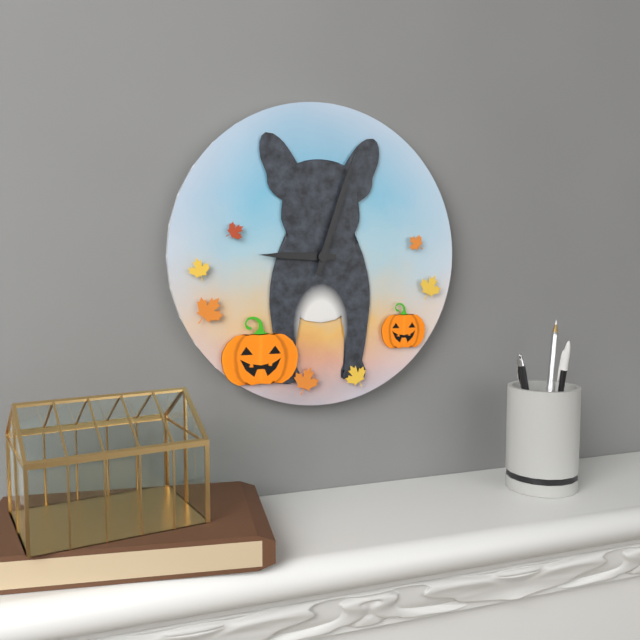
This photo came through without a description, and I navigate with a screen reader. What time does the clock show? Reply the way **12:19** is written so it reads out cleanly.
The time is **9:03**
